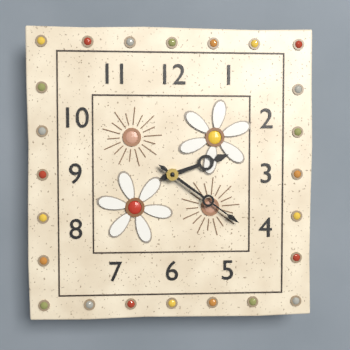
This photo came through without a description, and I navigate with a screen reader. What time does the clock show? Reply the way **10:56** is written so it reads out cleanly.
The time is **2:21**
